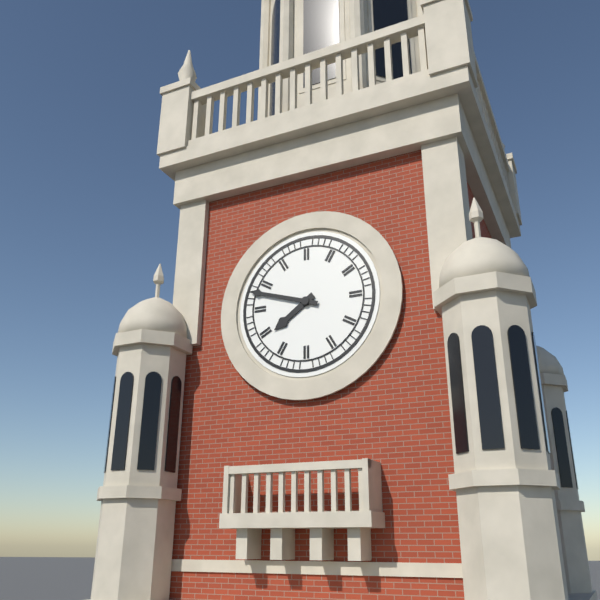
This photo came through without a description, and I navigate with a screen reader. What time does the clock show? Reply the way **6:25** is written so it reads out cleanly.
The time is **7:48**
